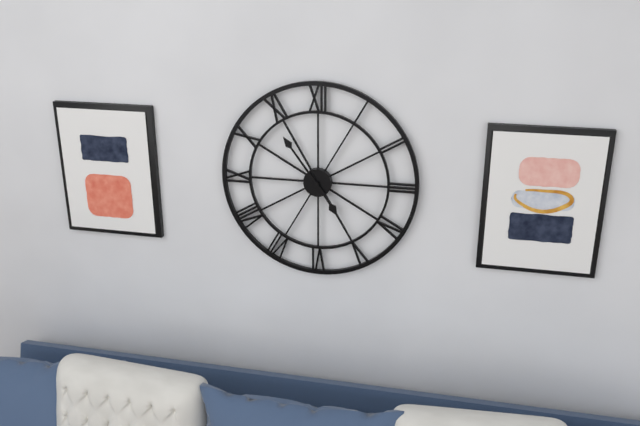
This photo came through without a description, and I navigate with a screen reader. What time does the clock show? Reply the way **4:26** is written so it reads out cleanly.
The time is **4:54**
